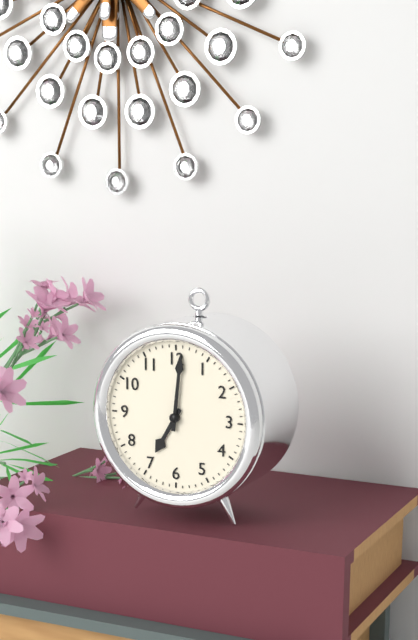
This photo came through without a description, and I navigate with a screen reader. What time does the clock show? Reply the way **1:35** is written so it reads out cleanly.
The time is **7:01**
